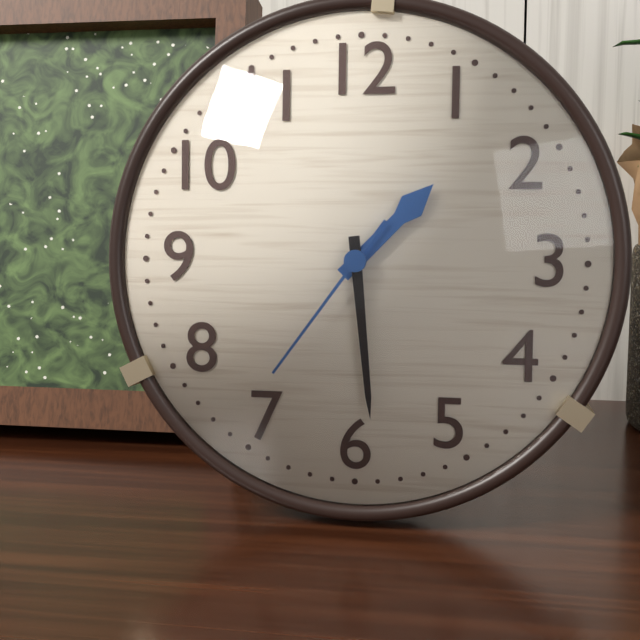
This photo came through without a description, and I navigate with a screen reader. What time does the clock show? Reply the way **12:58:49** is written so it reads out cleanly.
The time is **1:29:36**
